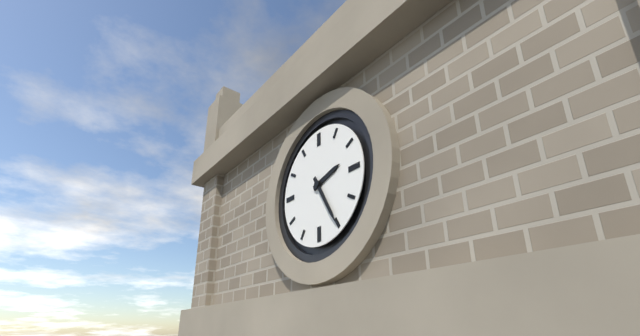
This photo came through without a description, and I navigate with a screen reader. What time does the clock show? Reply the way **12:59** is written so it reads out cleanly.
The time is **2:25**
